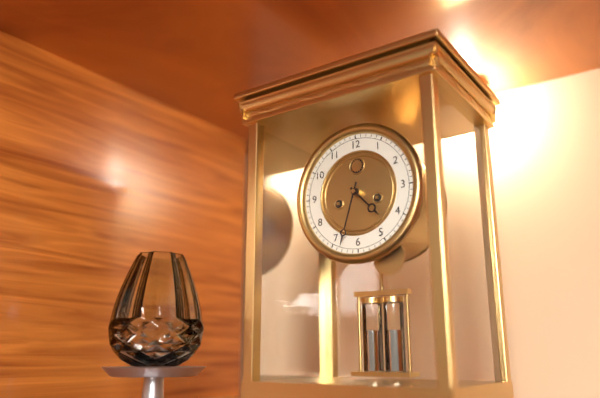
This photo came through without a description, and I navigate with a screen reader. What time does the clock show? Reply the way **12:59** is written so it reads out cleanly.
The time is **4:33**
